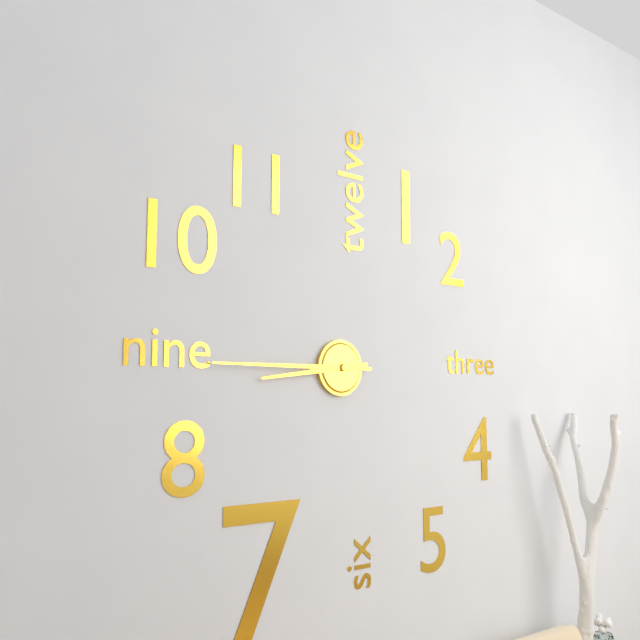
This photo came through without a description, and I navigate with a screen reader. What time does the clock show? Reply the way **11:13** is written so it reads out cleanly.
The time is **8:45**
